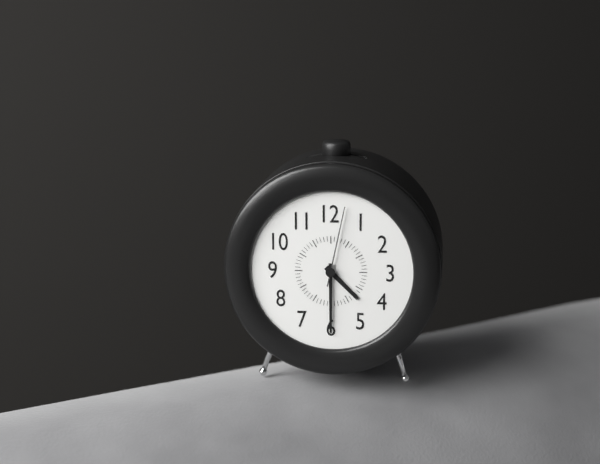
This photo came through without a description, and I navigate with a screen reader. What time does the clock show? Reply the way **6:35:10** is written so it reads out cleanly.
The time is **4:30:02**
